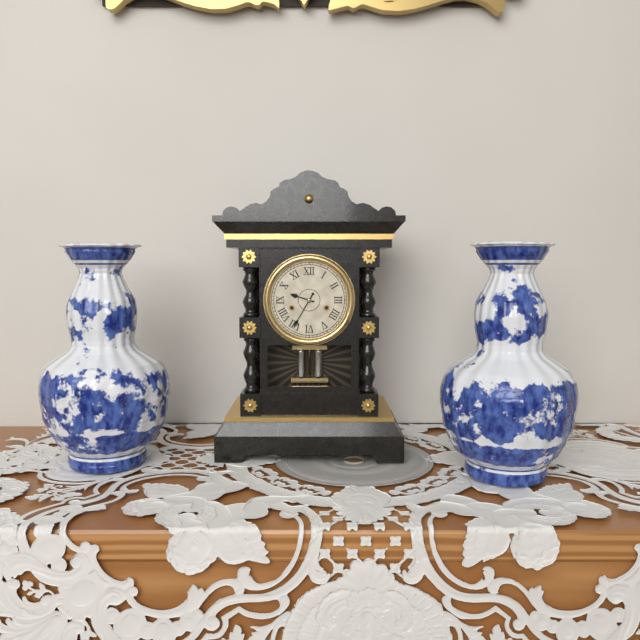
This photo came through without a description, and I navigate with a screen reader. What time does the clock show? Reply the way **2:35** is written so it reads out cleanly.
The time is **9:35**
